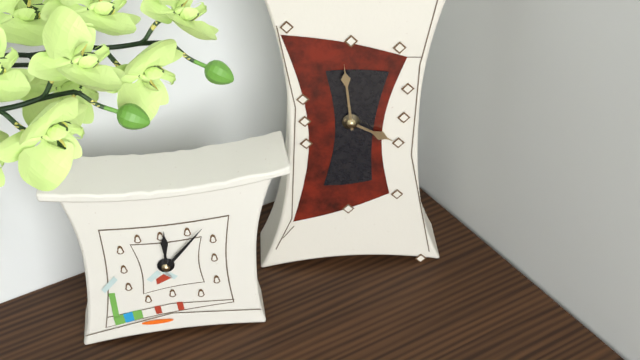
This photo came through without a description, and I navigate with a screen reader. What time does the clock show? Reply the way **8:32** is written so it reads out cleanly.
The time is **3:59**
